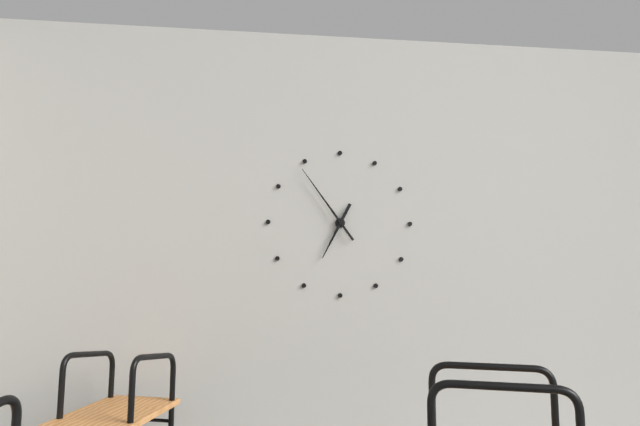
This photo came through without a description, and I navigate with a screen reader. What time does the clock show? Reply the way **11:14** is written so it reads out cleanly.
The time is **6:54**
